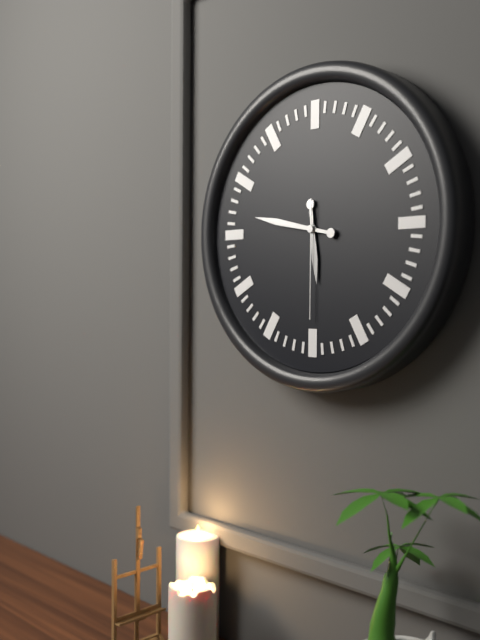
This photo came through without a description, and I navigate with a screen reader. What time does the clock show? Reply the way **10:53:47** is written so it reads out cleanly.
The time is **5:47:30**
